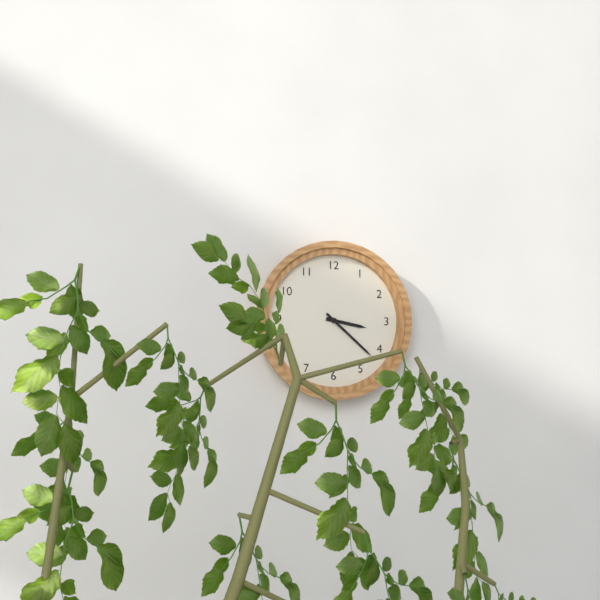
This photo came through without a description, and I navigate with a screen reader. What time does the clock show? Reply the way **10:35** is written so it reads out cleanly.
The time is **3:22**
